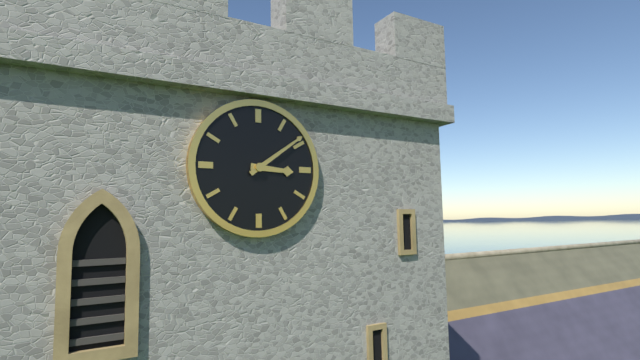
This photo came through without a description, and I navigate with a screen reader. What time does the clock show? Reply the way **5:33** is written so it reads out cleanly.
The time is **3:09**
